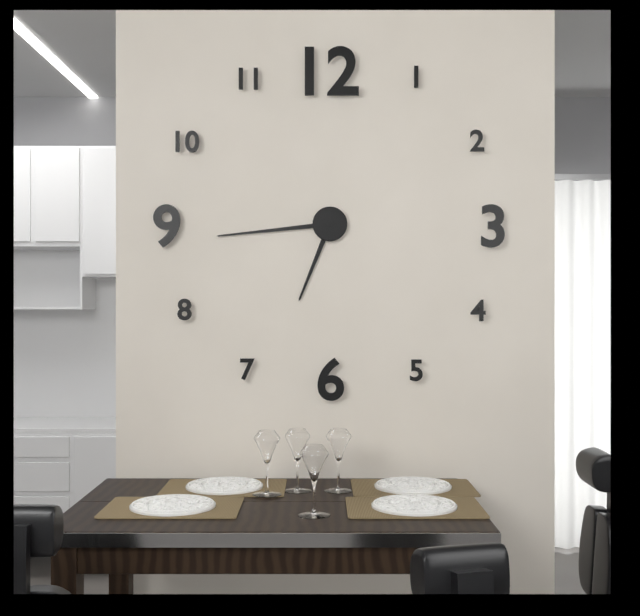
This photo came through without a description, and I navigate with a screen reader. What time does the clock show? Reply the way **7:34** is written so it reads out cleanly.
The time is **6:44**
